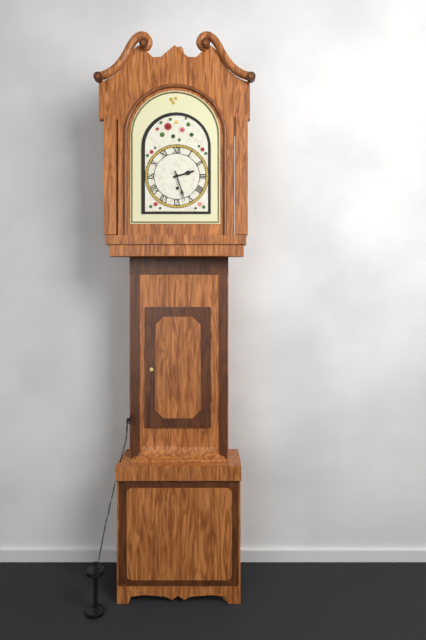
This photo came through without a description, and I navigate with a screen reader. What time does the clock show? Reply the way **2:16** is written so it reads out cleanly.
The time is **2:27**
